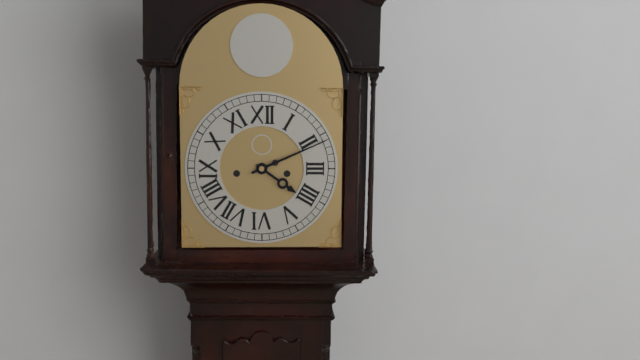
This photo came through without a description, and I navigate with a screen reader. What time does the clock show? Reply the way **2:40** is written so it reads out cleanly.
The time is **4:11**
